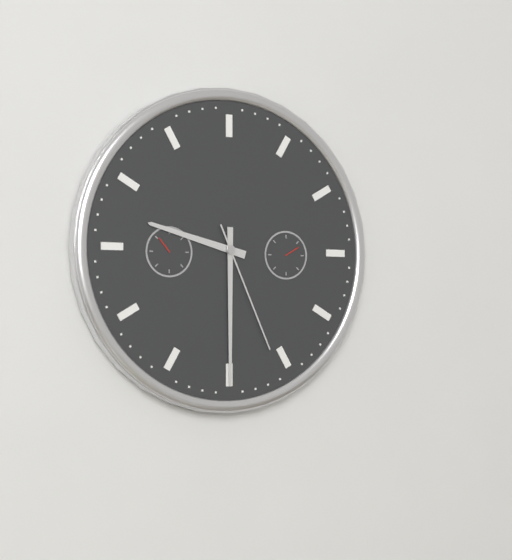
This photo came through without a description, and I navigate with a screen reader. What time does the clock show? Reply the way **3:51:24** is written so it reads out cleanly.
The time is **9:30:26**
